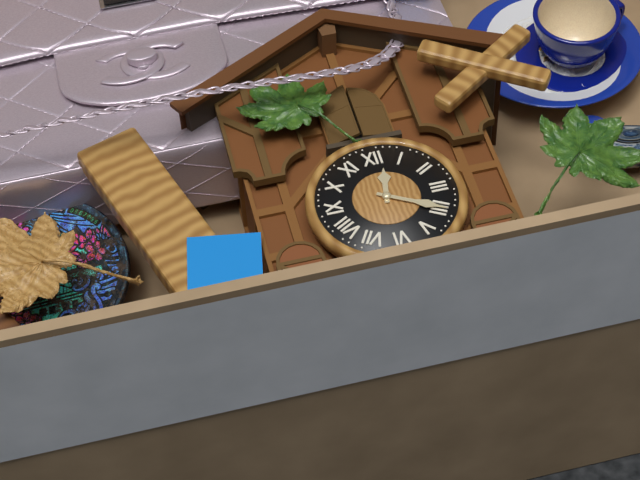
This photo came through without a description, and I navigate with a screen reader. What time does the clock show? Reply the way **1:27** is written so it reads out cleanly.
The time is **12:20**
